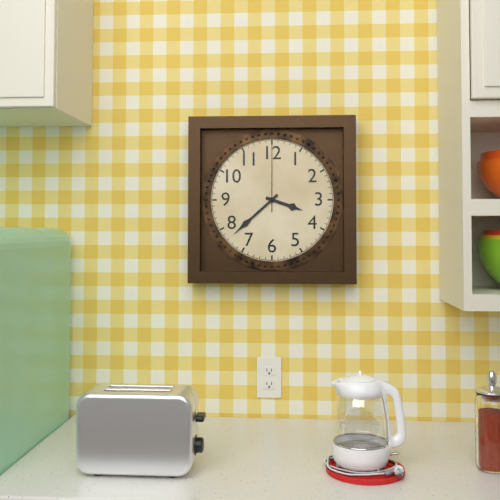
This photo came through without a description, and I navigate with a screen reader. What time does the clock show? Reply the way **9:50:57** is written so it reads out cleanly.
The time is **3:38:00**
